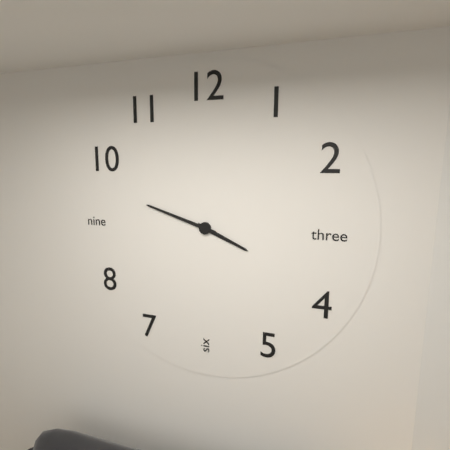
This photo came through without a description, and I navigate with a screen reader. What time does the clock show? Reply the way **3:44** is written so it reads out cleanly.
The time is **3:48**
